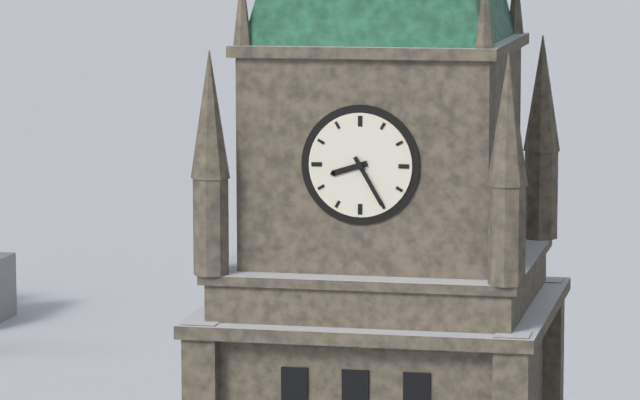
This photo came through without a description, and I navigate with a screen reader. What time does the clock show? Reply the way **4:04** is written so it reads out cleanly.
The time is **8:25**
